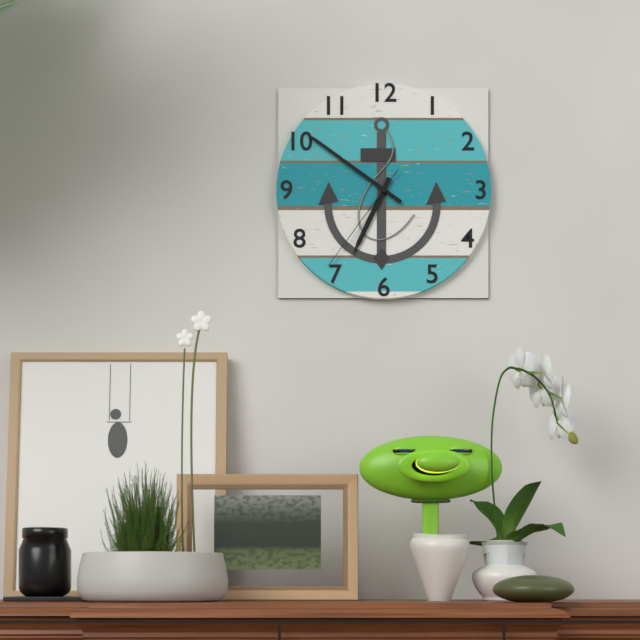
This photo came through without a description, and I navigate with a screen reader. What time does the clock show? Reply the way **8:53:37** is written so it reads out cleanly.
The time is **6:51:36**
